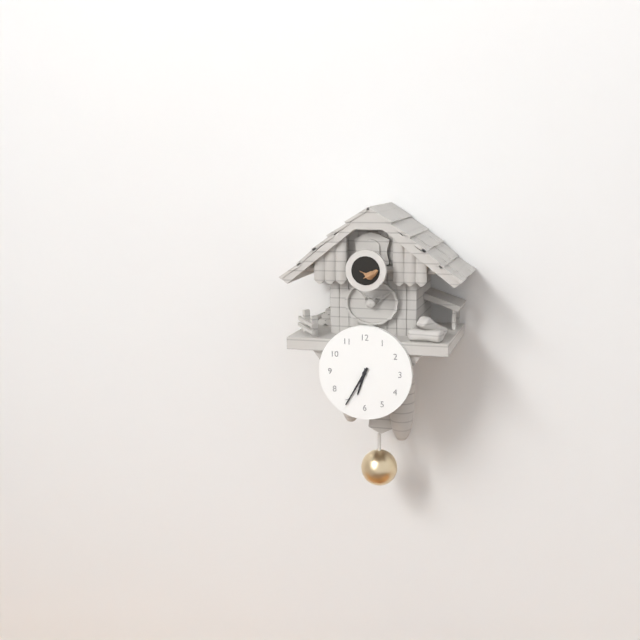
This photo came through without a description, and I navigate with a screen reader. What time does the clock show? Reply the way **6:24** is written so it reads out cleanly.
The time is **6:35**
